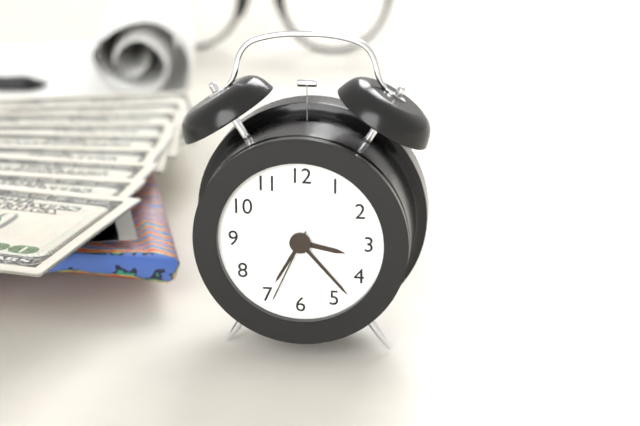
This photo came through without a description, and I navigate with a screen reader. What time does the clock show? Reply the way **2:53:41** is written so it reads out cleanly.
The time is **3:23:34**
